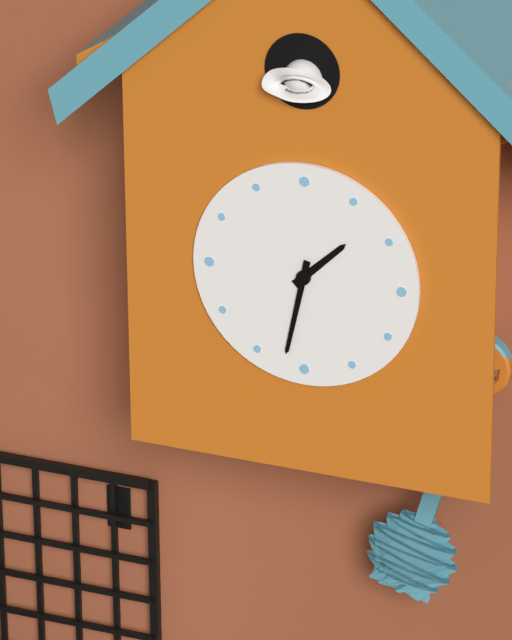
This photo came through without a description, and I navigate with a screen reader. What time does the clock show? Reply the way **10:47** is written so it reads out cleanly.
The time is **1:32**
